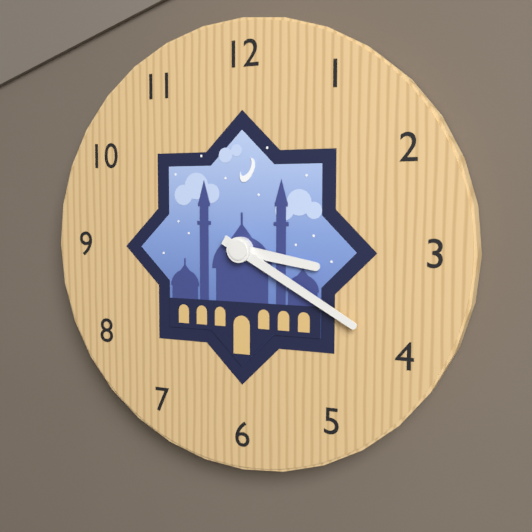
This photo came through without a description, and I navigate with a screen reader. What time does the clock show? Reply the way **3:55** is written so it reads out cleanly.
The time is **3:20**
